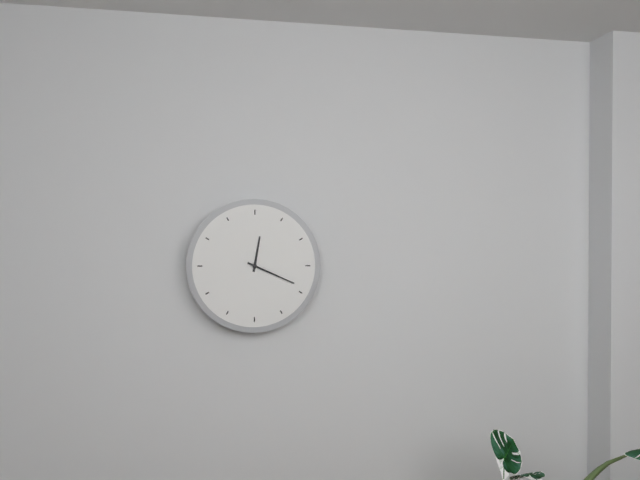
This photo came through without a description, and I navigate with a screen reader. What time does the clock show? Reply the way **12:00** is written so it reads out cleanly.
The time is **12:19**
